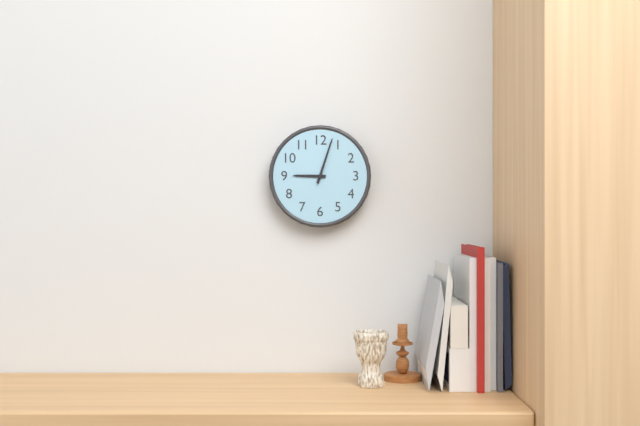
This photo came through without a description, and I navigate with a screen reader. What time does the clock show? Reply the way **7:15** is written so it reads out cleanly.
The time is **9:03**
